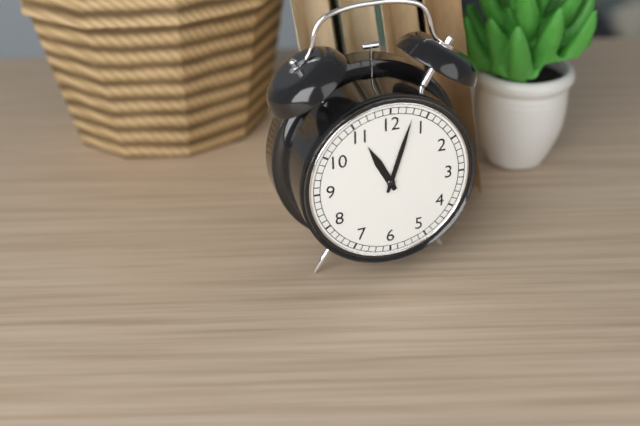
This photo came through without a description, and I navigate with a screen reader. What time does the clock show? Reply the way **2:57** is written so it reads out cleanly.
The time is **11:03**
